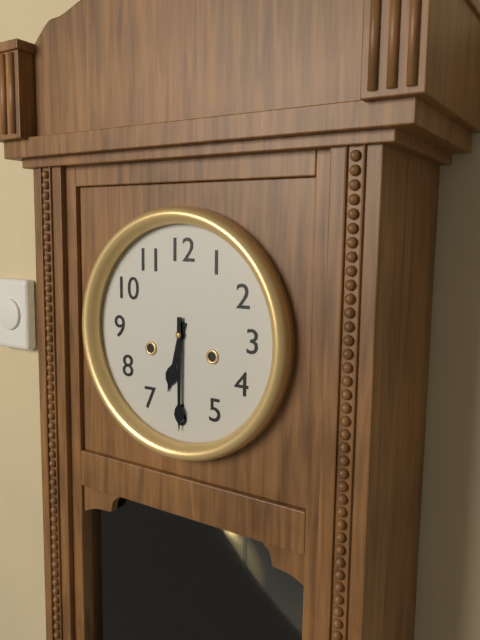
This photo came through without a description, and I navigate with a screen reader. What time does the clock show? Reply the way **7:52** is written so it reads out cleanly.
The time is **6:30**
